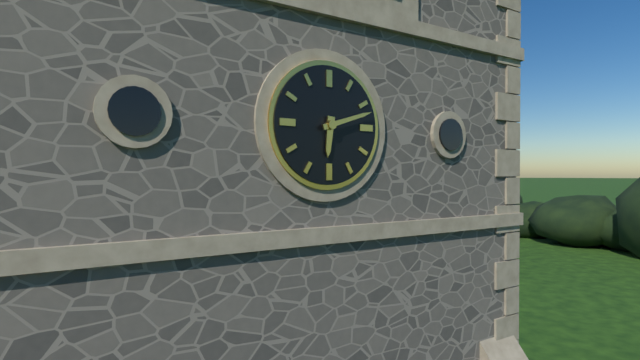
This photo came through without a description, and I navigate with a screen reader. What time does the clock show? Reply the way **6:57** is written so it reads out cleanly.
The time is **6:12**
